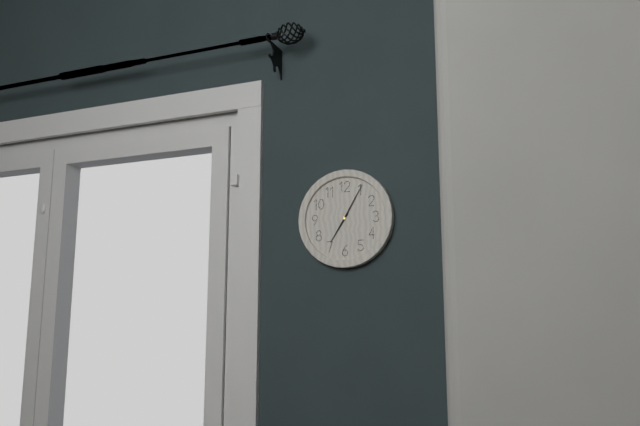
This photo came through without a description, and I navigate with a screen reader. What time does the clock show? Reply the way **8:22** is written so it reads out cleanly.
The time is **7:05**
